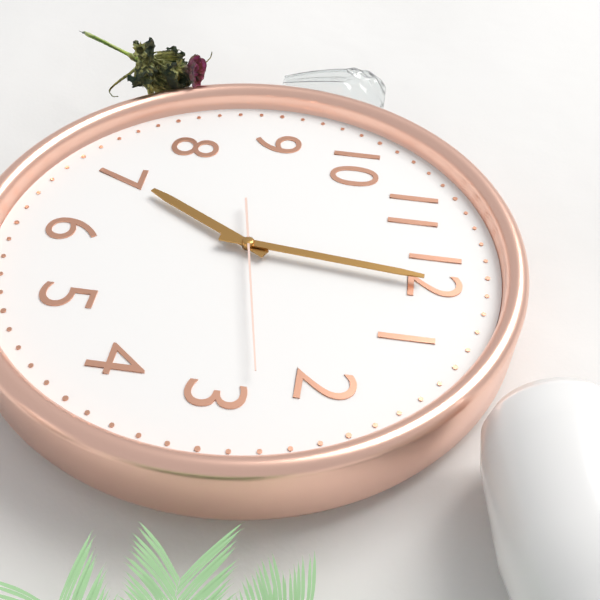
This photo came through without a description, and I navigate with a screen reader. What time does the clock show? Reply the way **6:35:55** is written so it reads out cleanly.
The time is **7:01:13**
